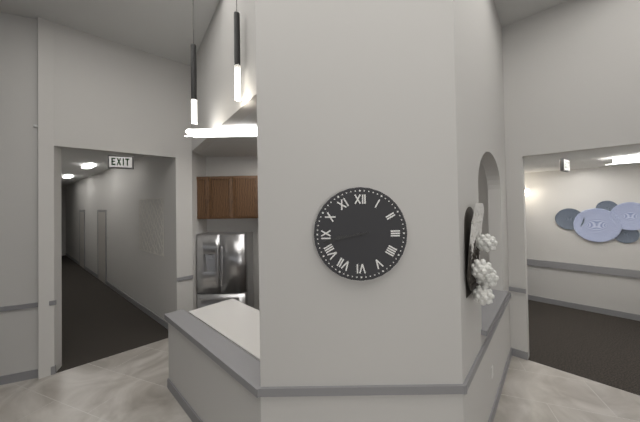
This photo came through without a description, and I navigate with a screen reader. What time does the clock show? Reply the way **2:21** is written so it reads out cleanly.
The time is **8:43**
